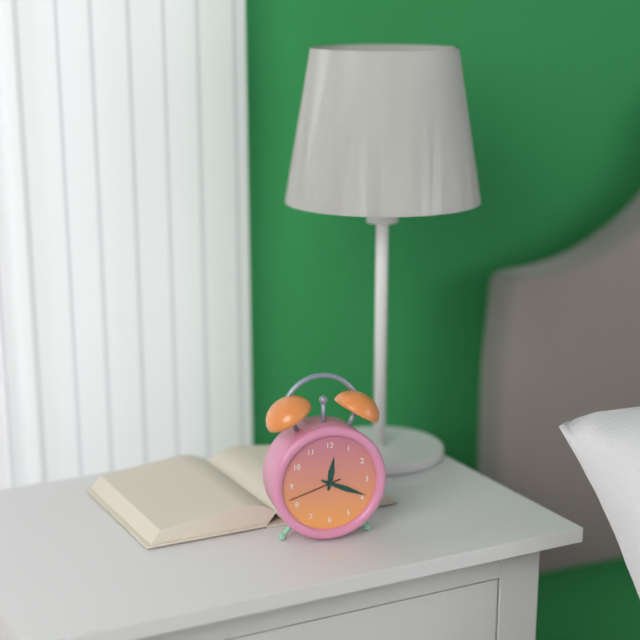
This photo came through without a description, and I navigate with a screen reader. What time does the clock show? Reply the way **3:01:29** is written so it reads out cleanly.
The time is **12:19:42**
